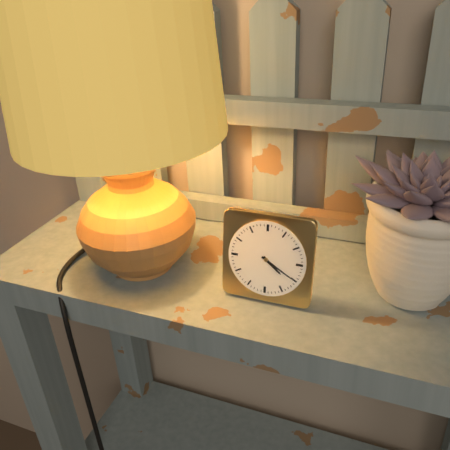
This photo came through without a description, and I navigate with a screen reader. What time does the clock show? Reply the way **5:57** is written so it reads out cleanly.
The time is **4:20**
